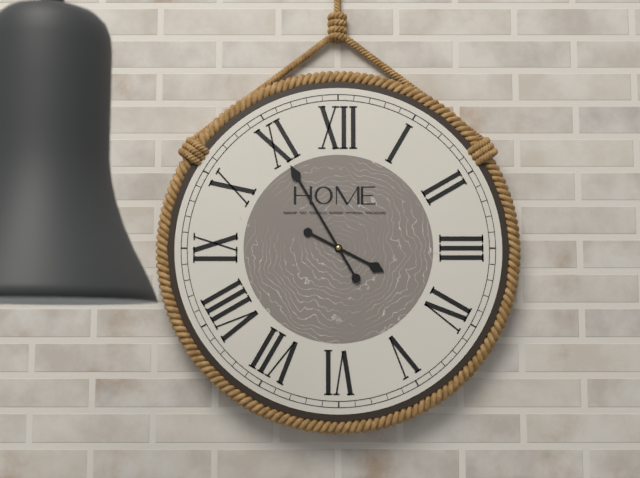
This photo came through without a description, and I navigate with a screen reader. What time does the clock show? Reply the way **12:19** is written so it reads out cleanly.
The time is **3:55**
